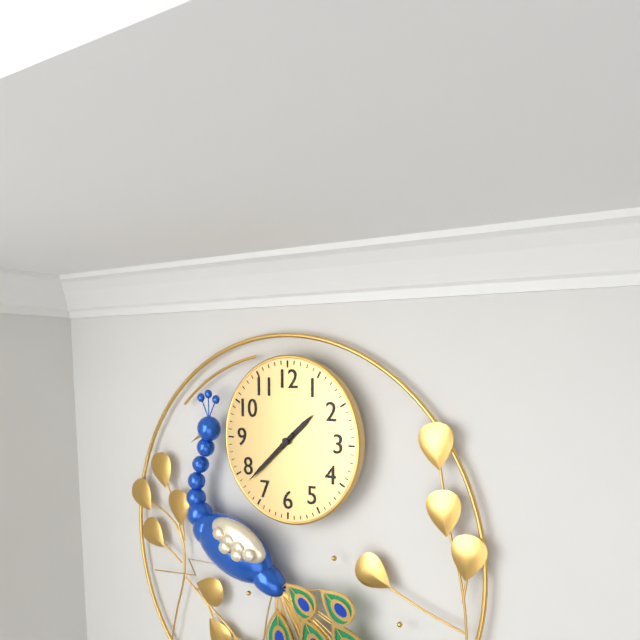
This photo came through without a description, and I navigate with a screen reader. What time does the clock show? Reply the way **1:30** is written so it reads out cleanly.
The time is **1:38**
